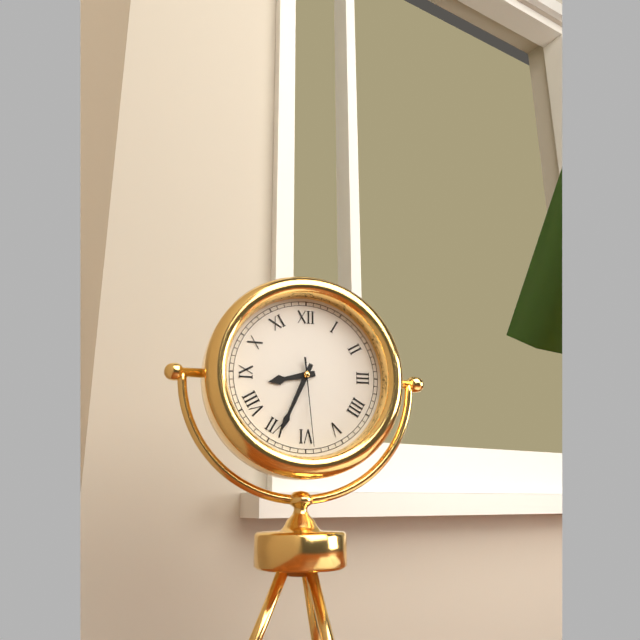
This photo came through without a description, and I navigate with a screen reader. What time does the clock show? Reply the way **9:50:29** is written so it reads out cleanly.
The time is **8:34:29**
